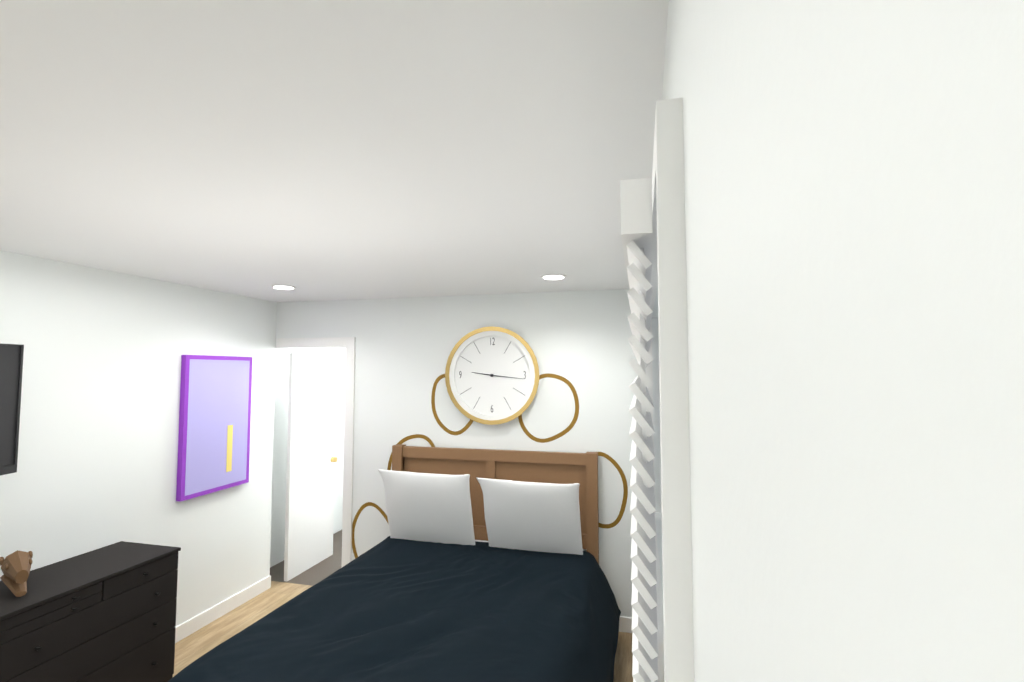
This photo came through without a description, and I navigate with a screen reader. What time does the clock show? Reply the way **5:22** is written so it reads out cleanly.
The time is **9:16**
